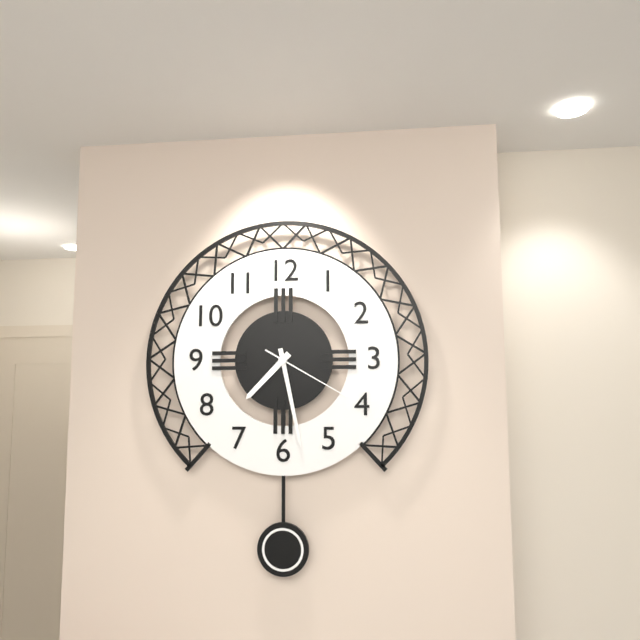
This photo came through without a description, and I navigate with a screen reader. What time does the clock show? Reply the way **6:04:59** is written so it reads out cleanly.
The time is **7:28:20**
